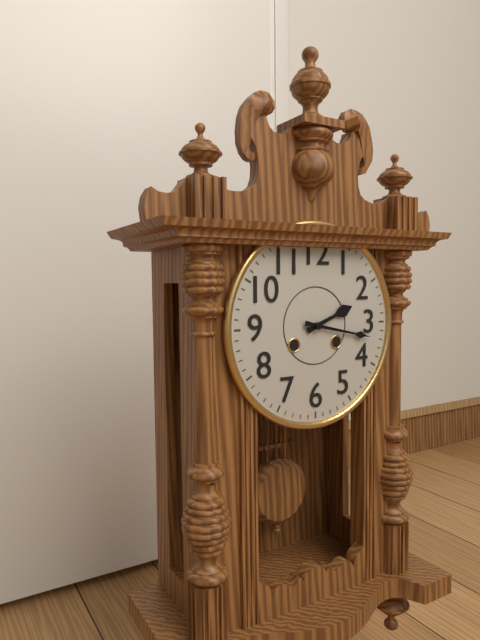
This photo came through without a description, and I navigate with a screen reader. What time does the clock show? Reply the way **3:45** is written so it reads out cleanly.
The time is **2:17**
